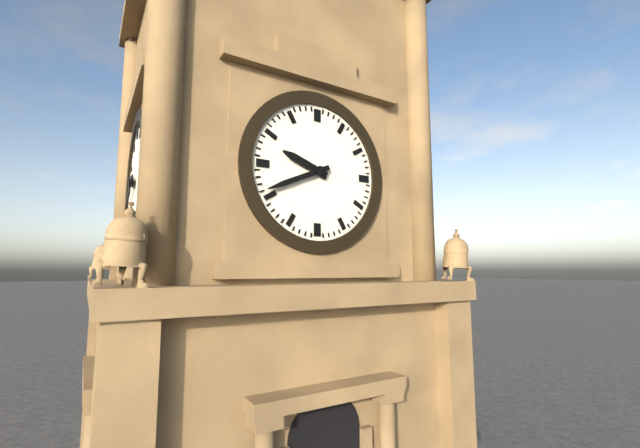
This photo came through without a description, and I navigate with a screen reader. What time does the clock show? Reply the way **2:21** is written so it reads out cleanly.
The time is **9:41**
